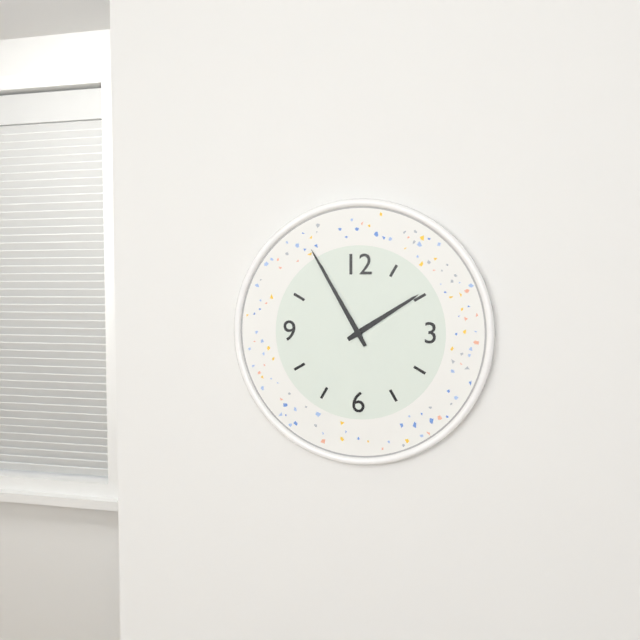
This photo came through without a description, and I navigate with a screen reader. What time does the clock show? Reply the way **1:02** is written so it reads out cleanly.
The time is **1:55**
